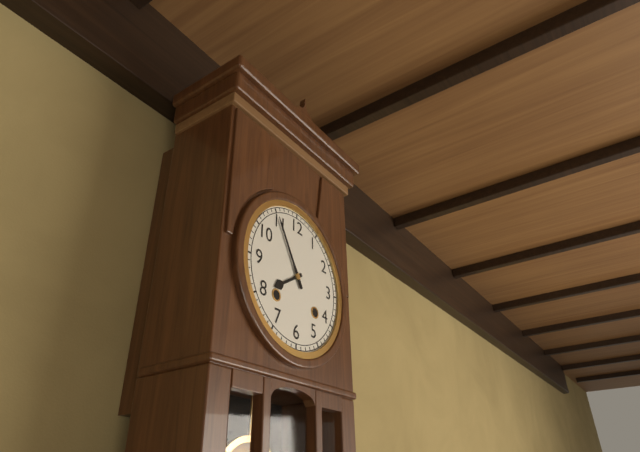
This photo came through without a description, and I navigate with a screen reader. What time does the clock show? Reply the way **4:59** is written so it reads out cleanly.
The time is **7:55**
